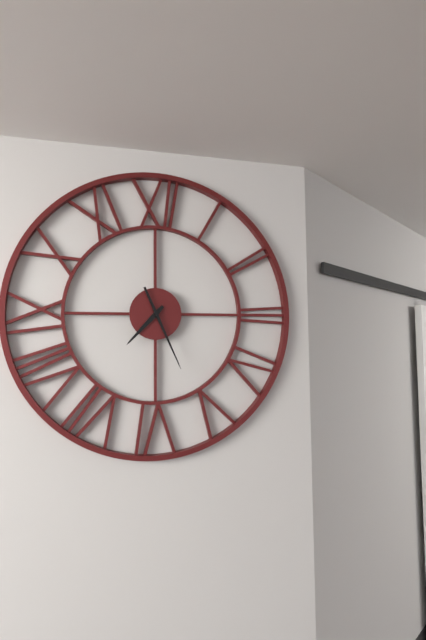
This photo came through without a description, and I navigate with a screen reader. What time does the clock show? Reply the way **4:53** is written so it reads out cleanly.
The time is **7:26**
